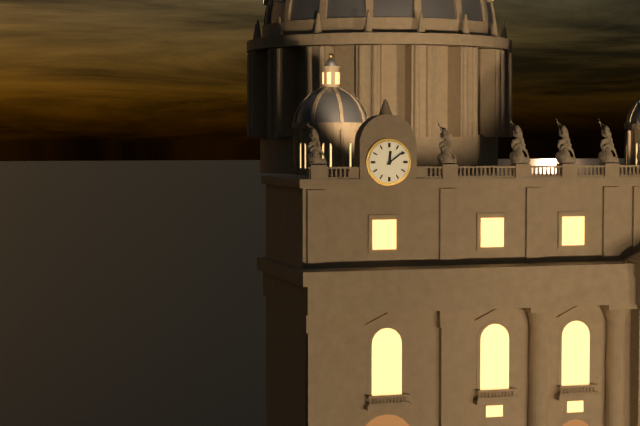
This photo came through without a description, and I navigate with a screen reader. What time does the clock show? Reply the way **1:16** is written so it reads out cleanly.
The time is **12:09**
